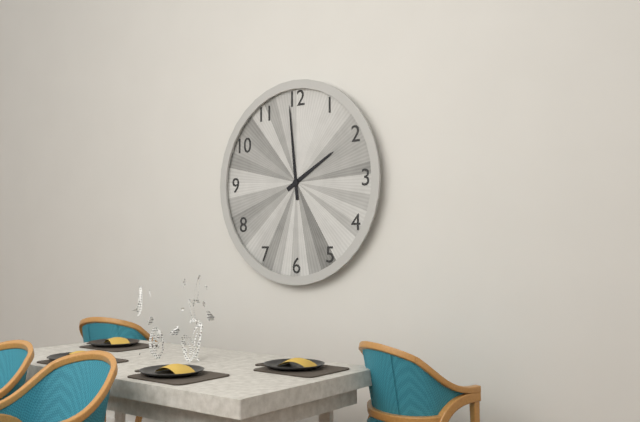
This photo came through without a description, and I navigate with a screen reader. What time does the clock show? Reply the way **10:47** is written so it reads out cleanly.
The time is **1:59**
